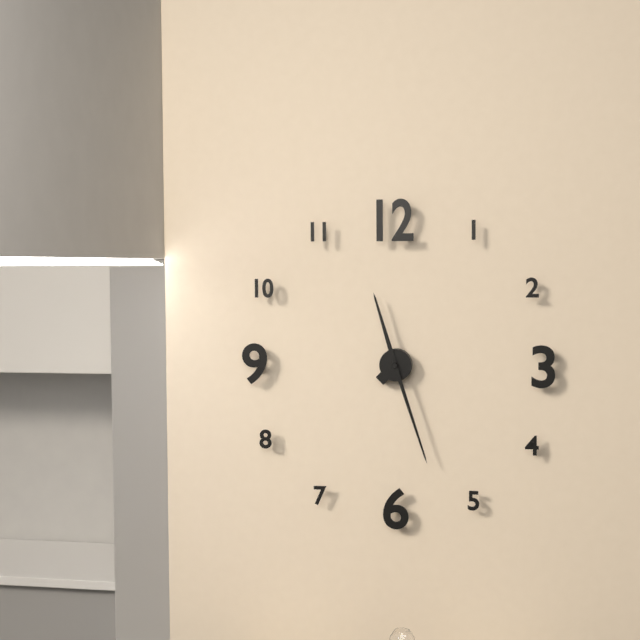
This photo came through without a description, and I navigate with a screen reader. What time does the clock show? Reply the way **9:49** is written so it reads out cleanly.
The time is **11:27**
